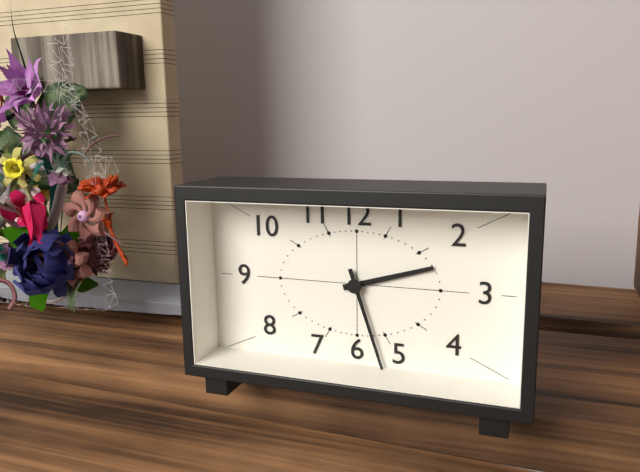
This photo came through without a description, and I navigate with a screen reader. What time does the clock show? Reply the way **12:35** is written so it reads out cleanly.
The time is **2:27**
